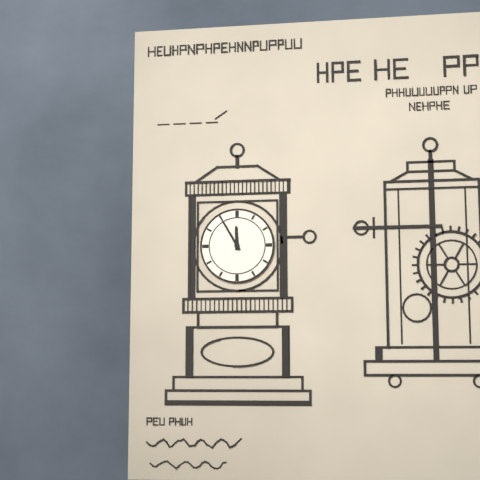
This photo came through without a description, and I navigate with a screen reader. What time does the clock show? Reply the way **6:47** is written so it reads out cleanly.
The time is **11:55**
